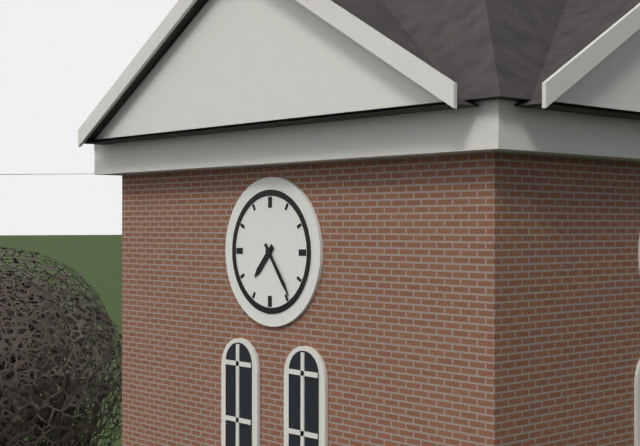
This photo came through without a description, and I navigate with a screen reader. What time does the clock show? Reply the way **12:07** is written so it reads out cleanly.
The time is **7:24**
